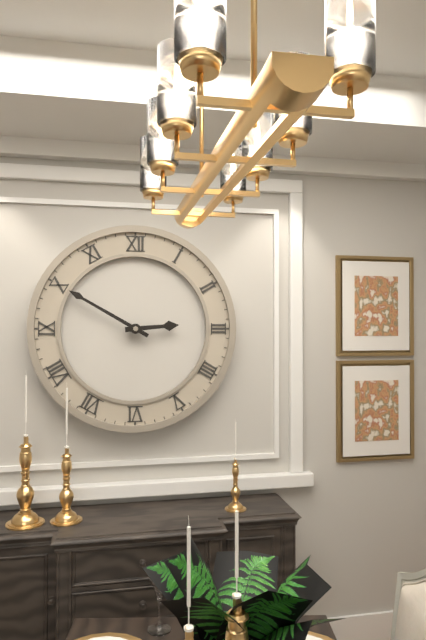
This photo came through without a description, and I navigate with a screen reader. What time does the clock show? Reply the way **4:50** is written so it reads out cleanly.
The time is **2:50**
